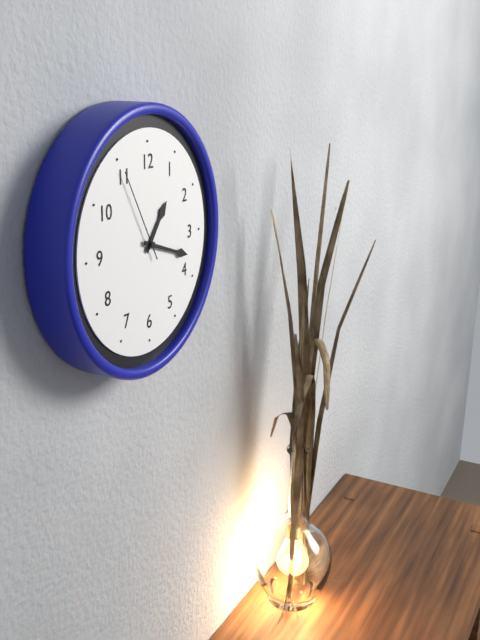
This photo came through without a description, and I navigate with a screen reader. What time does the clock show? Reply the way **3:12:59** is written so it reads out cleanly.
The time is **1:18:55**
